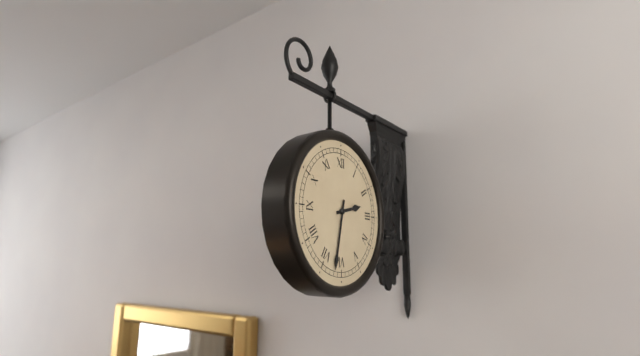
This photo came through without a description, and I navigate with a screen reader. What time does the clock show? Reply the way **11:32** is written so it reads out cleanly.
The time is **2:32**
